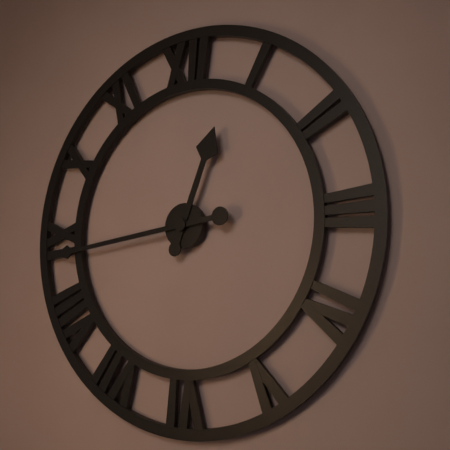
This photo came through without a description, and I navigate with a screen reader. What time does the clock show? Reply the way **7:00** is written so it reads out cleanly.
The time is **12:44**
